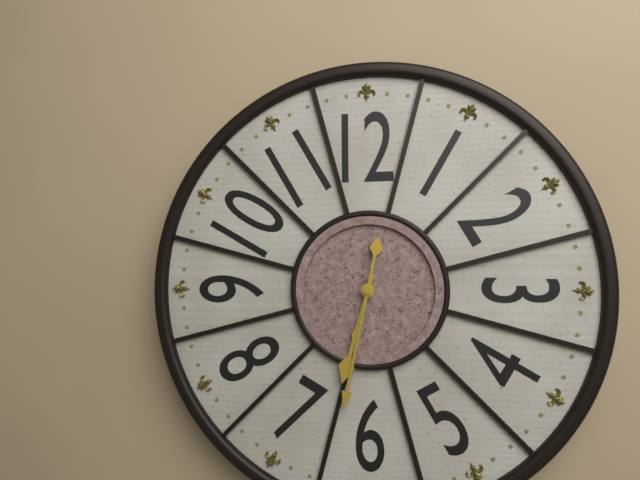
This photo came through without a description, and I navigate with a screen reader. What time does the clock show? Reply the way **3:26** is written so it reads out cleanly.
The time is **6:32**
